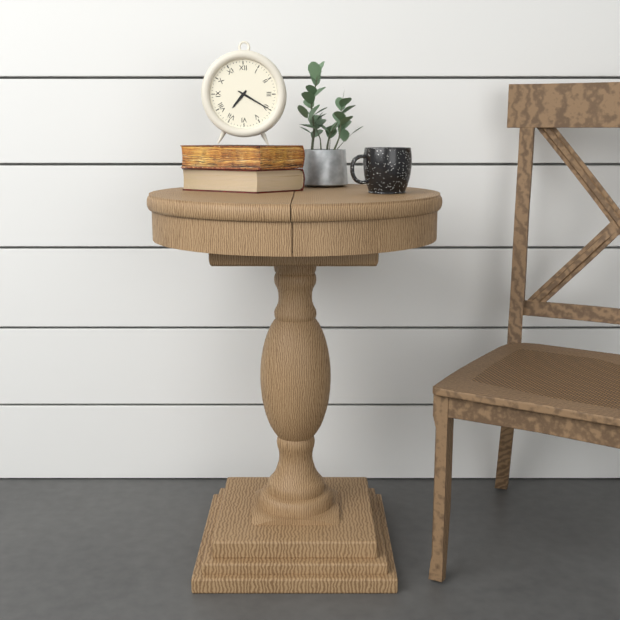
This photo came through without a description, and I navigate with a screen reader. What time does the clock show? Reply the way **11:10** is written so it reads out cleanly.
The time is **7:20**
